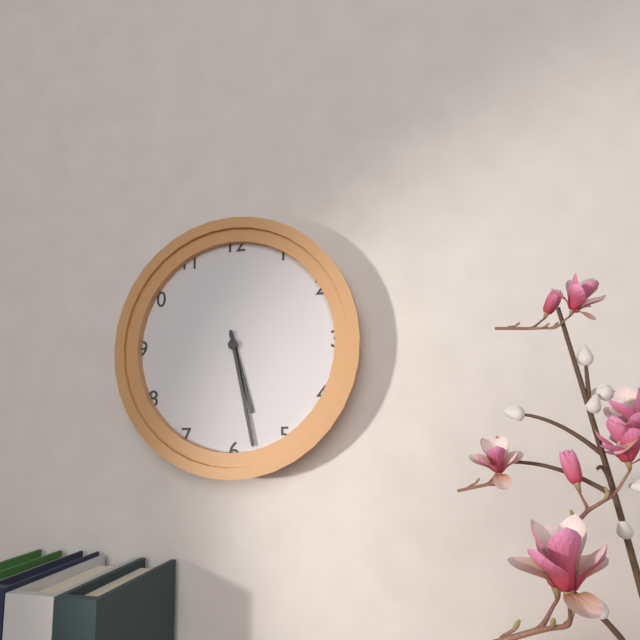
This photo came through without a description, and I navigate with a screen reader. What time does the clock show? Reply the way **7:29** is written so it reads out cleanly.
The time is **5:28**
